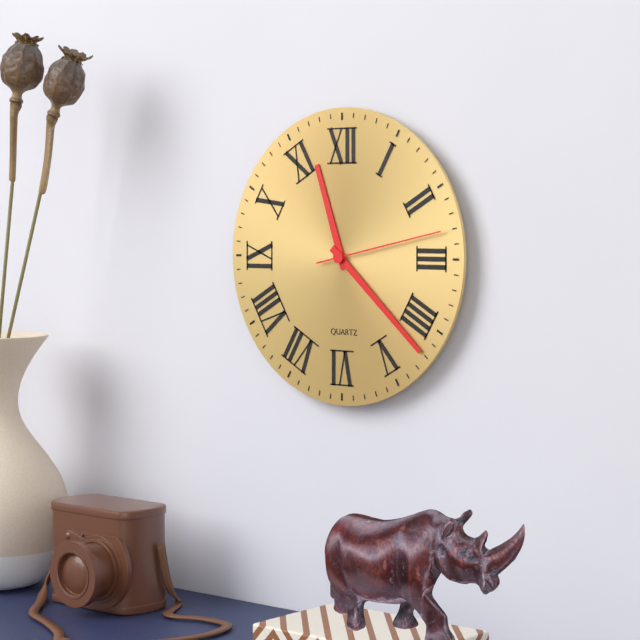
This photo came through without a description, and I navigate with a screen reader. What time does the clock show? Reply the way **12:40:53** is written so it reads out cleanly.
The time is **11:22:13**
